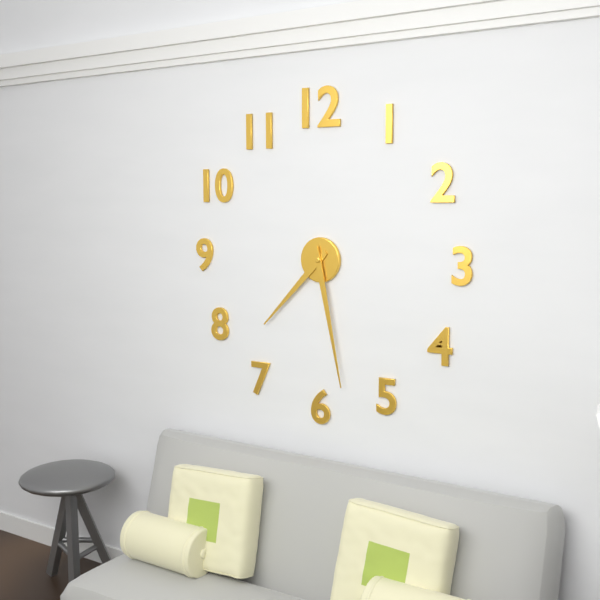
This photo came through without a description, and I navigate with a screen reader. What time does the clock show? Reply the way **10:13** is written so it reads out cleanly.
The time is **7:28**
